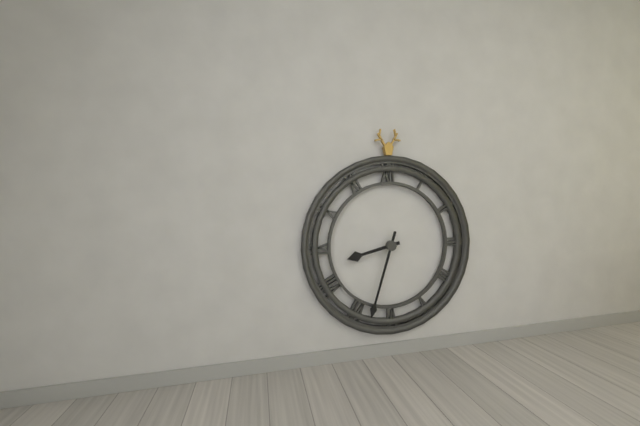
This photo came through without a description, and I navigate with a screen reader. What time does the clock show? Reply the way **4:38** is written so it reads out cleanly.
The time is **8:33**
